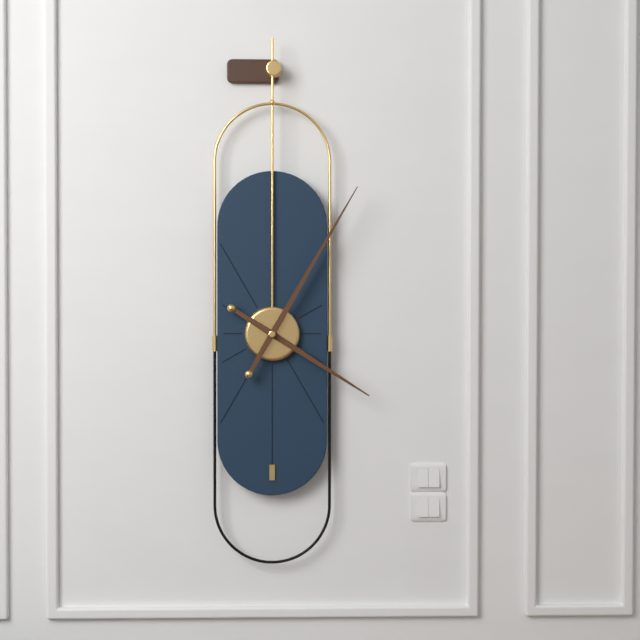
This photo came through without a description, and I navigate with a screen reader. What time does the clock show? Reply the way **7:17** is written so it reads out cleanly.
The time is **4:05**
